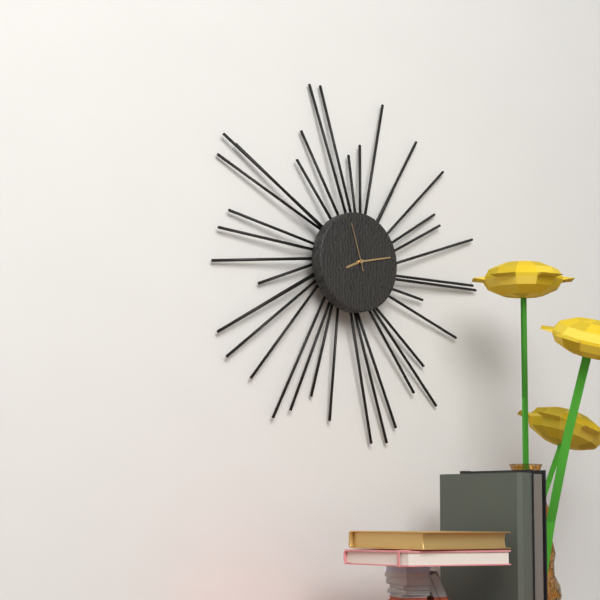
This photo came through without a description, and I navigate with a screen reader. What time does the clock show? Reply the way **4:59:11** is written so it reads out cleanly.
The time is **8:13:57**
